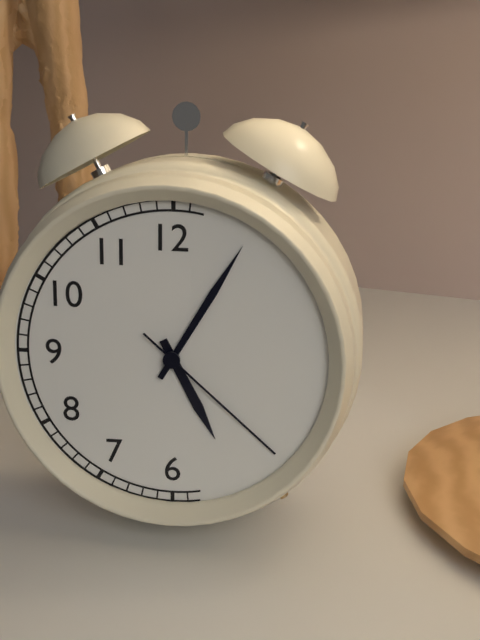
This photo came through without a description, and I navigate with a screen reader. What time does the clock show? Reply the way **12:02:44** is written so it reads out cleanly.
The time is **5:05:22**
